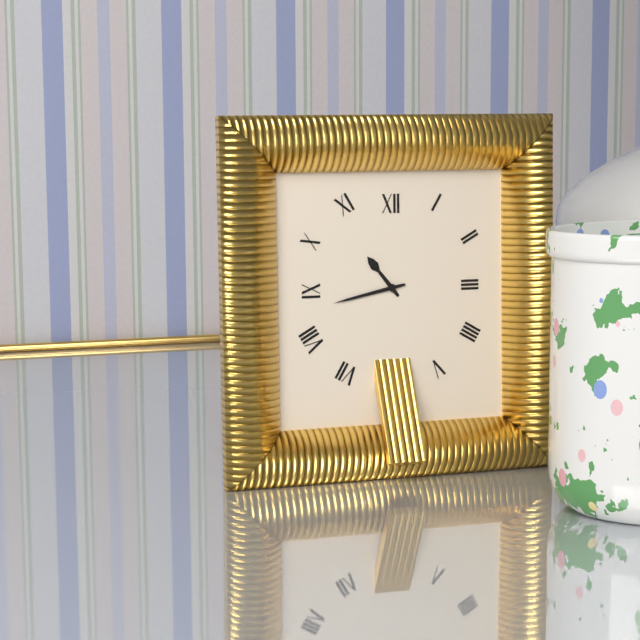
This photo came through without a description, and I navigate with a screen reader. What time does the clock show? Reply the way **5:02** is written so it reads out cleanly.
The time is **10:43**
